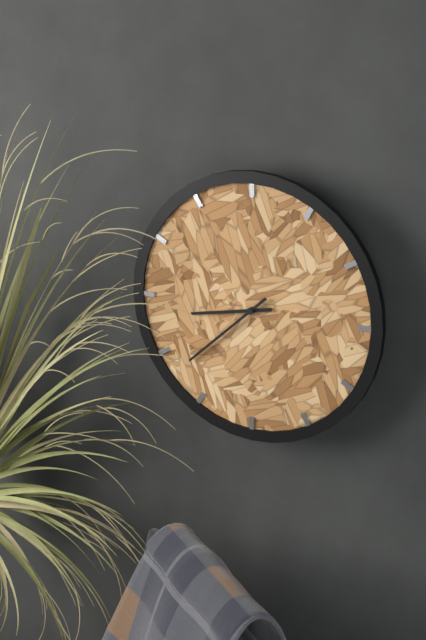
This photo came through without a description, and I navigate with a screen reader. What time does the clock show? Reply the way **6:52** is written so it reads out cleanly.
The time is **8:38**
